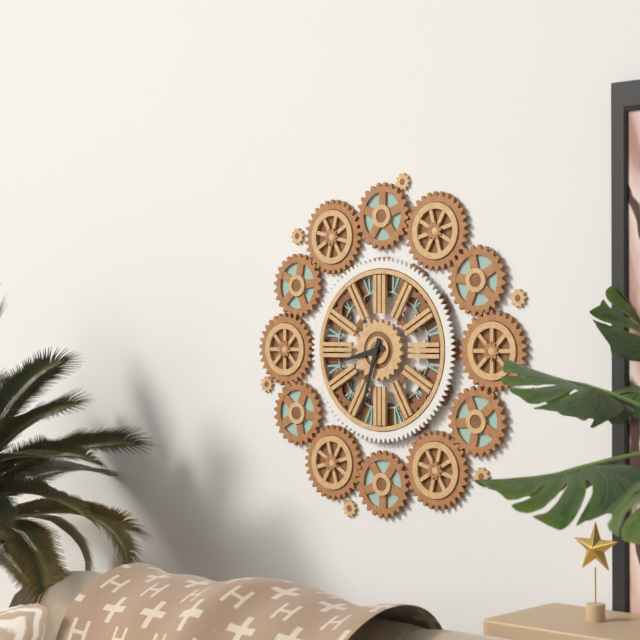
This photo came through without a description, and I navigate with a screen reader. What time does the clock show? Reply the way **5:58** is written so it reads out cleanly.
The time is **8:33**
